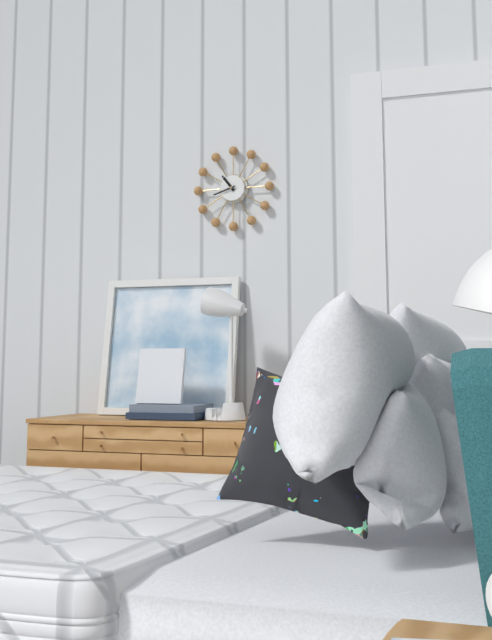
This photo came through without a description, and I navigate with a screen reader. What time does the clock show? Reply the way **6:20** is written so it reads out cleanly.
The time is **10:42**
